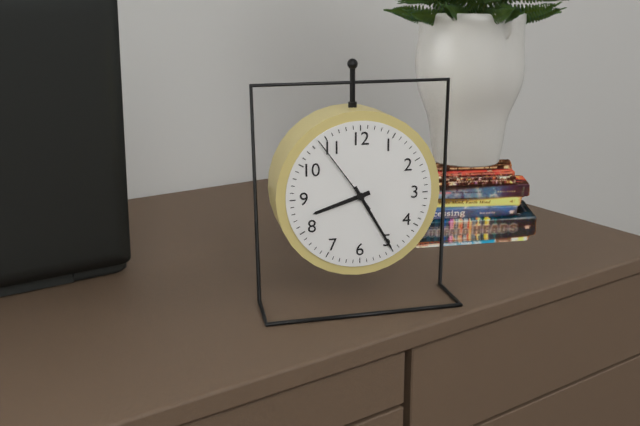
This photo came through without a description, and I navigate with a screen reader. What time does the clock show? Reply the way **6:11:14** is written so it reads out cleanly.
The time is **8:25:54**
